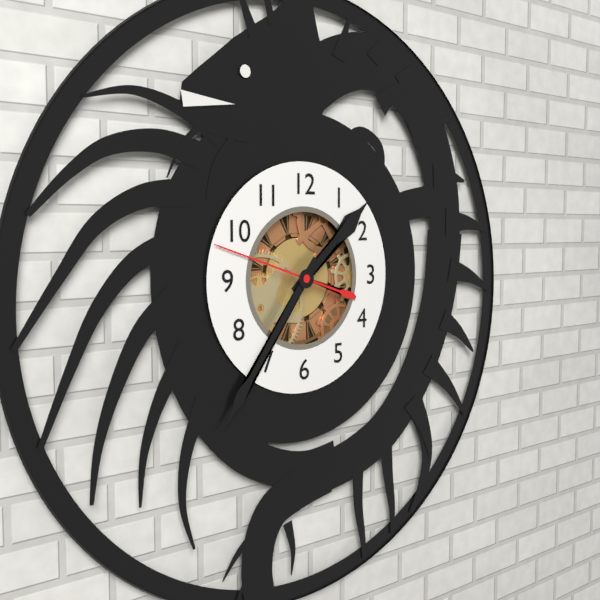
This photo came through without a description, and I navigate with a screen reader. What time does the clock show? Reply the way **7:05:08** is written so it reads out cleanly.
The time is **1:36:48**
